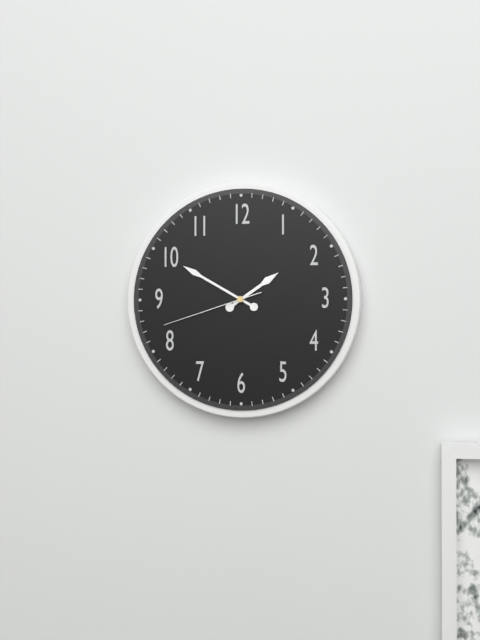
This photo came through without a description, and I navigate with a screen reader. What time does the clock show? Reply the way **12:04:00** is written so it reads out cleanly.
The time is **1:50:42**
